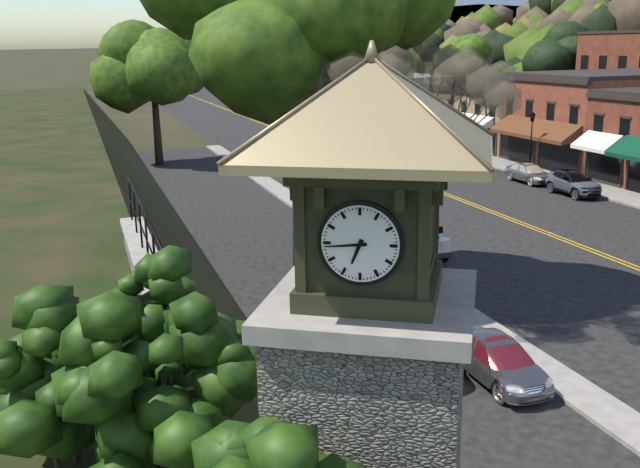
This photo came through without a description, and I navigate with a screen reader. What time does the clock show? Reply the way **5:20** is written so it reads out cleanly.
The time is **6:44**
